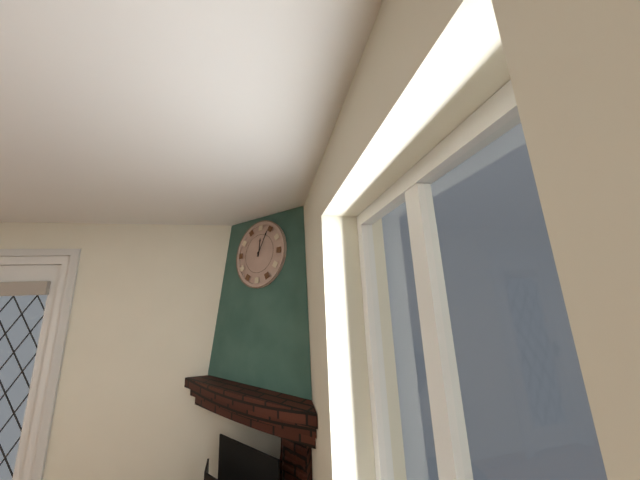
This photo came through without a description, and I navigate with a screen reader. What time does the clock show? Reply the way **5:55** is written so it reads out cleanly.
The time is **12:04**
